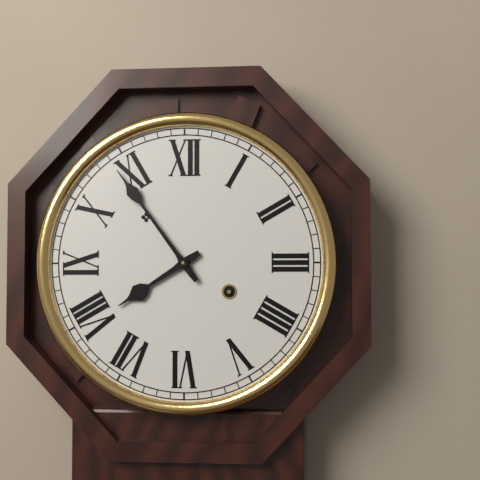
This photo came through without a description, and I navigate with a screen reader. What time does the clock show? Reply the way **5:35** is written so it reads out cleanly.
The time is **7:54**
